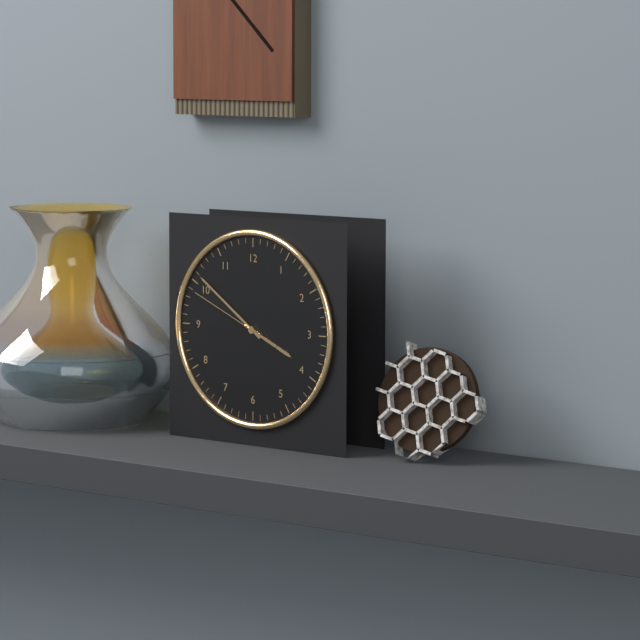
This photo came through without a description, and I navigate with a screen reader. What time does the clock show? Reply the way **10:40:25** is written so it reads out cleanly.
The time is **3:51:49**
